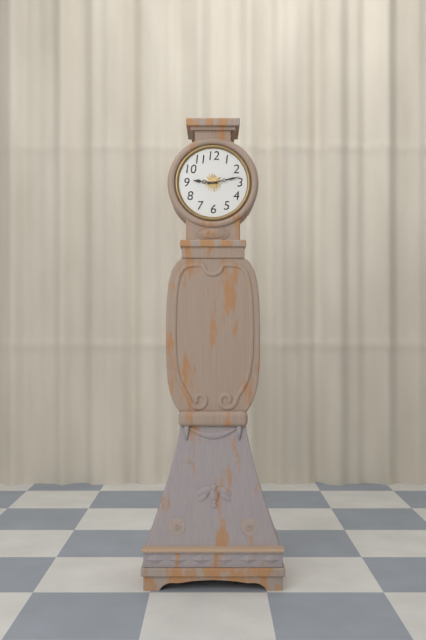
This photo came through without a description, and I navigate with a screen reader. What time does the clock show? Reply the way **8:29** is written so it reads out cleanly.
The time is **9:13**
